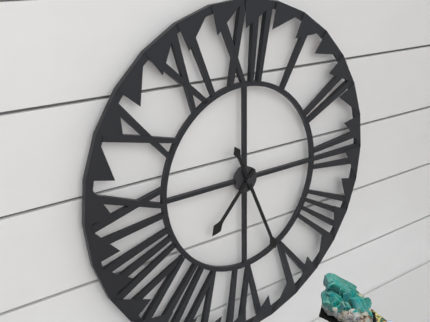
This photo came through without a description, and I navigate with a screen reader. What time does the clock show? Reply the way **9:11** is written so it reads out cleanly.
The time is **7:26**
